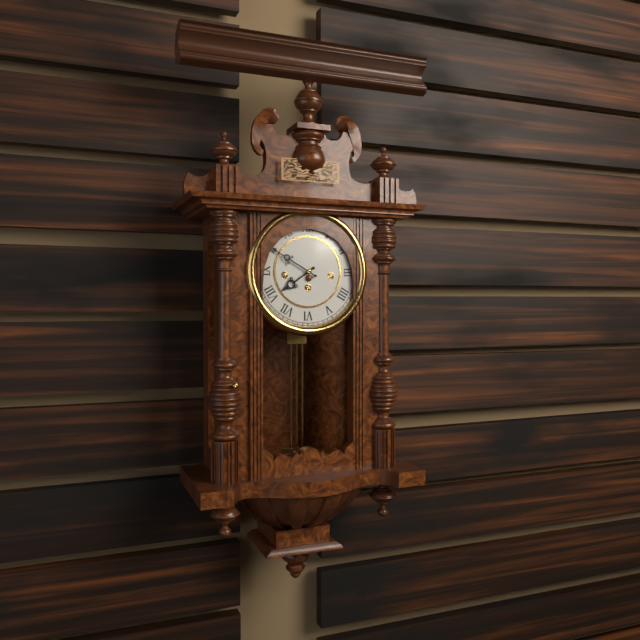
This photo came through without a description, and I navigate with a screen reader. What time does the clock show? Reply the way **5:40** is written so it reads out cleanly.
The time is **7:50**
